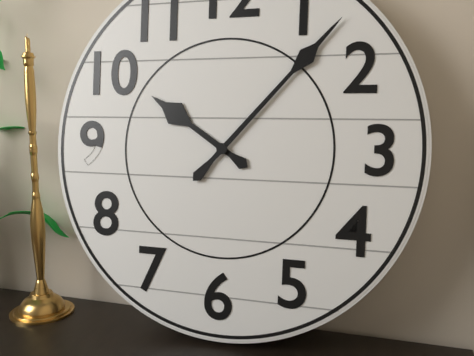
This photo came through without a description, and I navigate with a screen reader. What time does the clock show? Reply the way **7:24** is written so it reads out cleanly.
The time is **10:07**
